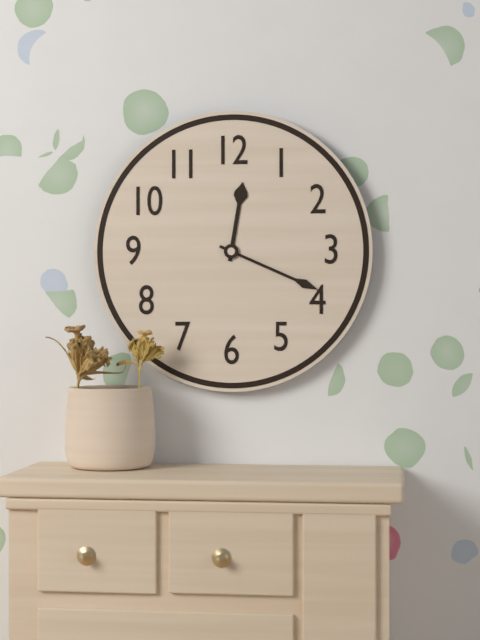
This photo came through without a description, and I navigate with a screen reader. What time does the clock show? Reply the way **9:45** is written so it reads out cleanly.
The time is **12:19**
